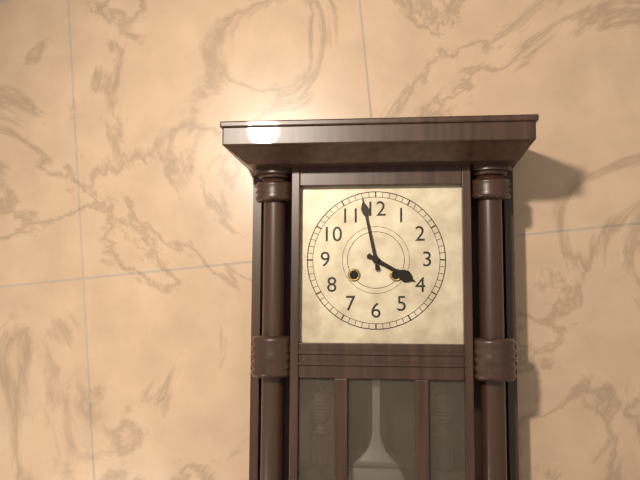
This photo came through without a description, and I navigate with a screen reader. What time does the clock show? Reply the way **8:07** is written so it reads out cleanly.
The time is **3:58**
